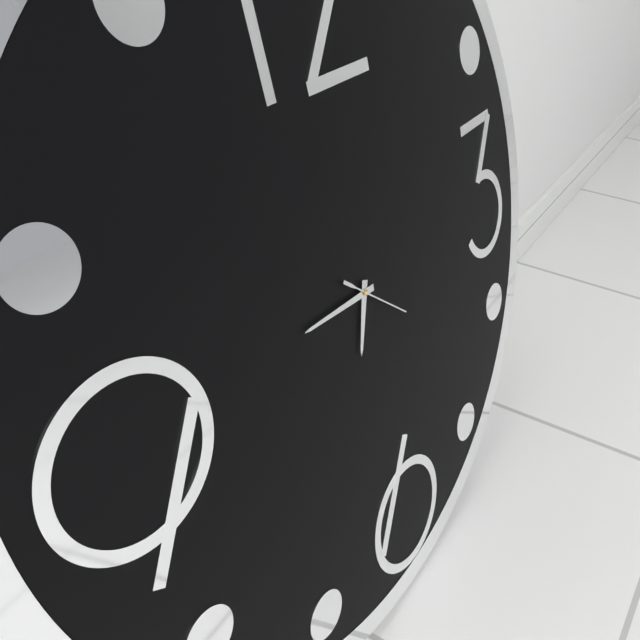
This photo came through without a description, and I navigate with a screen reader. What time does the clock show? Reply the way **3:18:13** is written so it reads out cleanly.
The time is **6:46:22**
